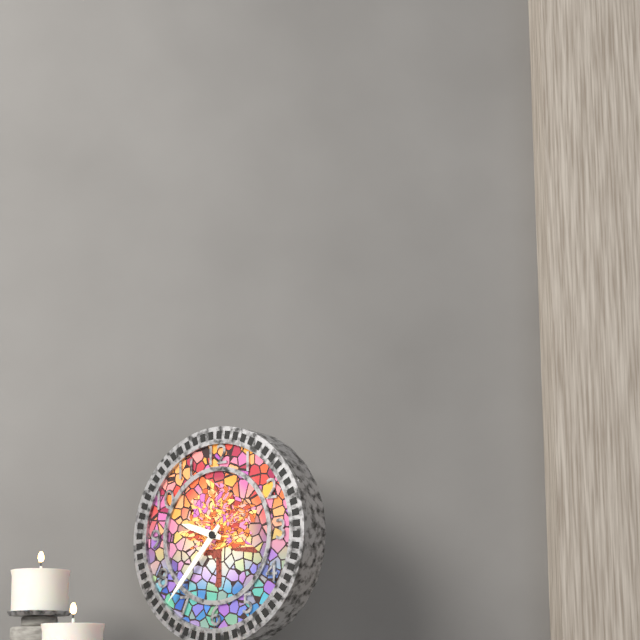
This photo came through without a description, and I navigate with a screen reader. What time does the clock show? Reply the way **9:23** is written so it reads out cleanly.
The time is **9:37**
